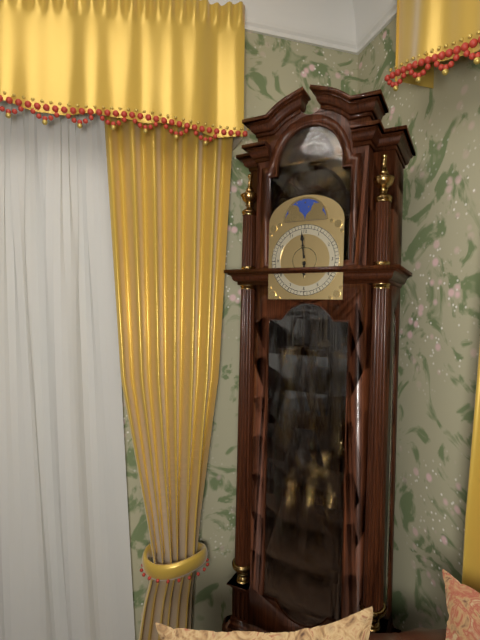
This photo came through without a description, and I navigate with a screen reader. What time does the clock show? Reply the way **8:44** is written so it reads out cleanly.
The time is **5:59**
